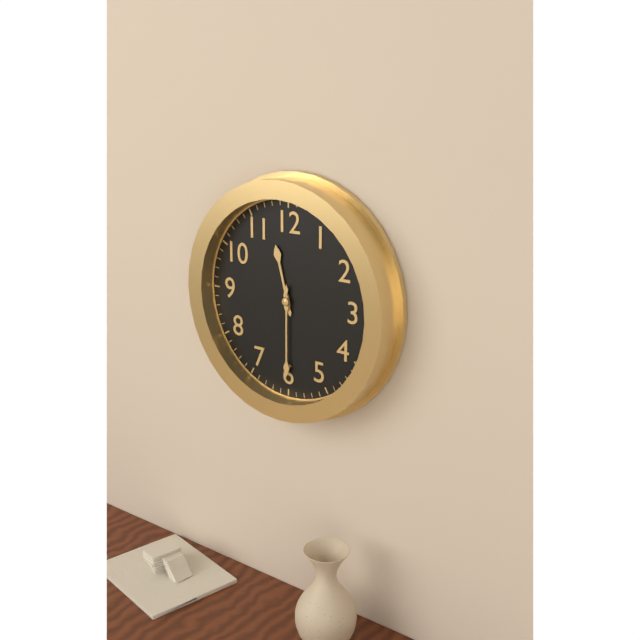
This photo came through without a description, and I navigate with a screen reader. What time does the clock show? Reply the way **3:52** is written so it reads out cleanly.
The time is **11:30**
